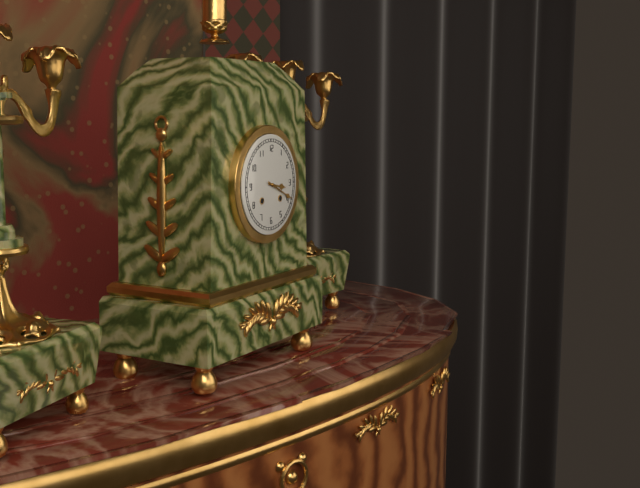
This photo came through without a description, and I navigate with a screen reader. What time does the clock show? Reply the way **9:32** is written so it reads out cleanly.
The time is **3:19**
